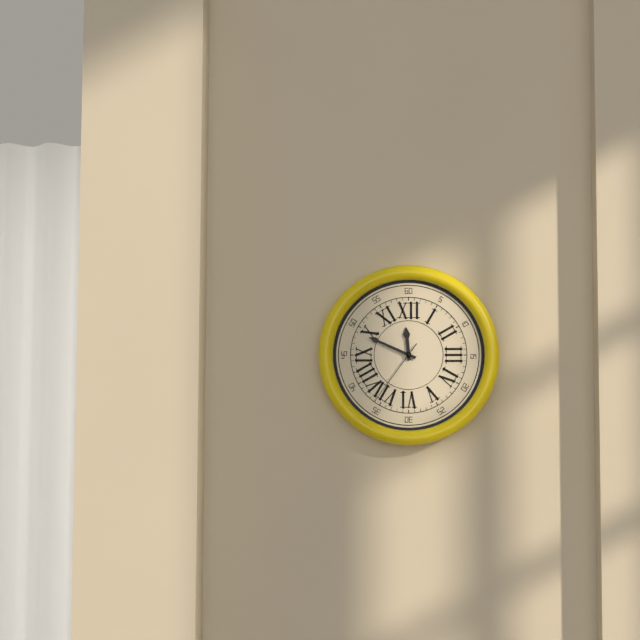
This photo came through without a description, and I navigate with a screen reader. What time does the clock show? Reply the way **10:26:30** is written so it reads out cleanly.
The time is **11:49:36**
